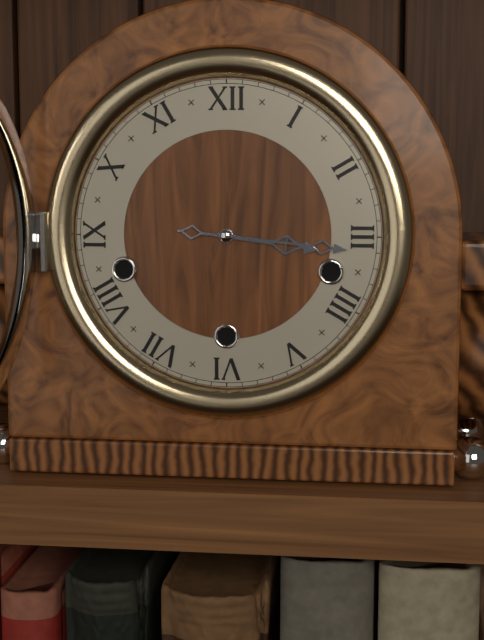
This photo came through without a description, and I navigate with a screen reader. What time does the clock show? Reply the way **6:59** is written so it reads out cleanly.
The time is **3:16**
